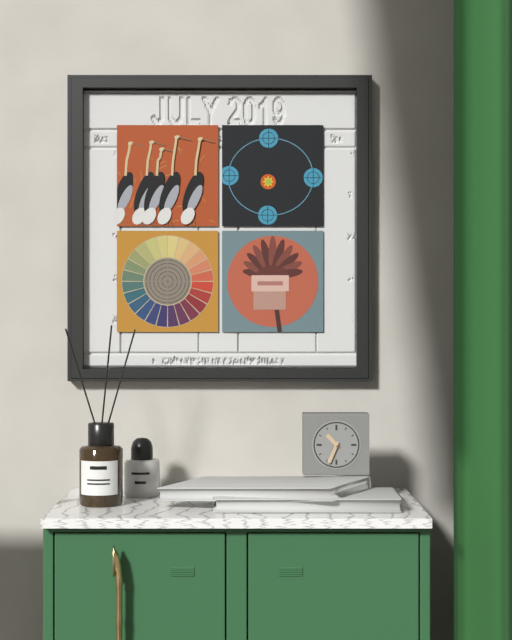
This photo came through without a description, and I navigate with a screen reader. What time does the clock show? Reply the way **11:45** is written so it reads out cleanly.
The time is **10:34**
